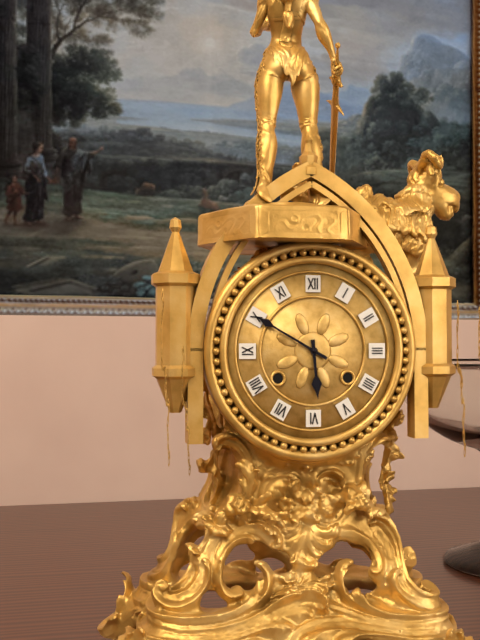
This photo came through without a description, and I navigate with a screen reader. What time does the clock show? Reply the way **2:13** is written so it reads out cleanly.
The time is **5:50**
